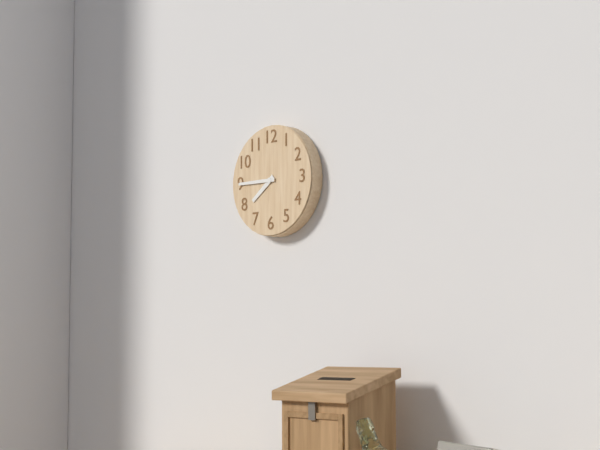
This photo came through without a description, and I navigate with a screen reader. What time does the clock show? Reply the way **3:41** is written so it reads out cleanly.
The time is **7:45**
